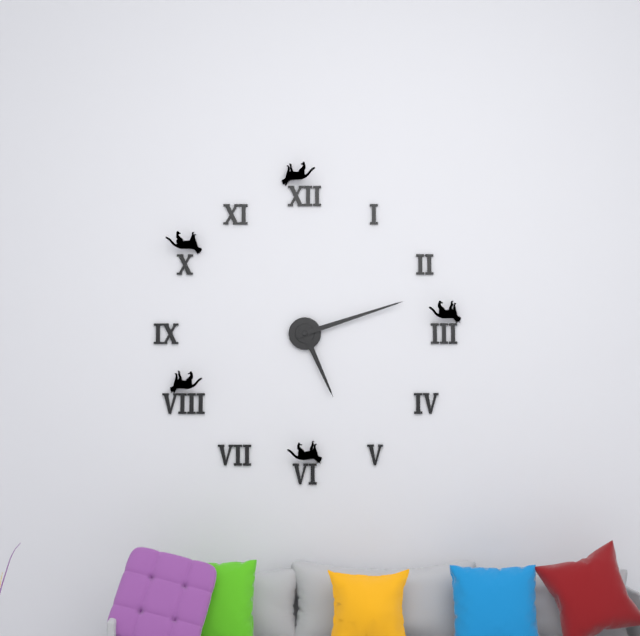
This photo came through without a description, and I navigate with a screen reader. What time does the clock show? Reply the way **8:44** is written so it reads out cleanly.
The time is **5:12**
